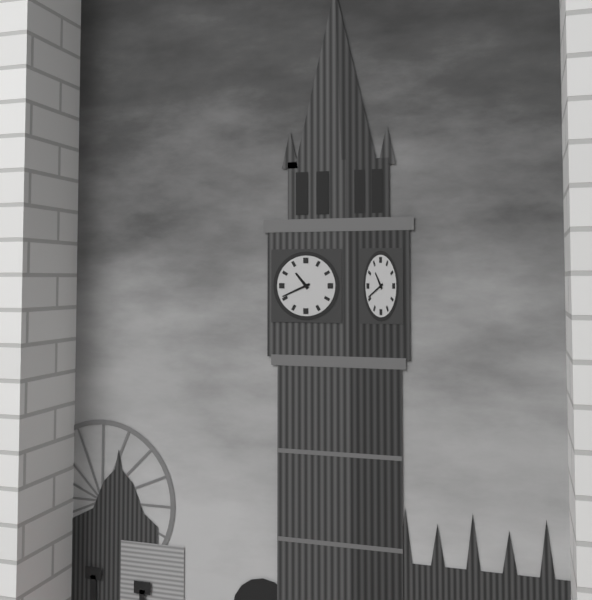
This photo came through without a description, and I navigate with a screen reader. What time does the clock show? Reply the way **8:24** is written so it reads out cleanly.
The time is **10:41**
